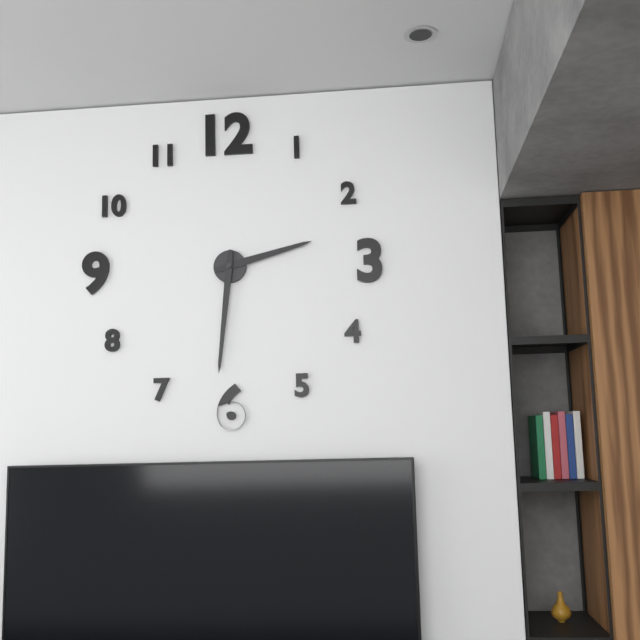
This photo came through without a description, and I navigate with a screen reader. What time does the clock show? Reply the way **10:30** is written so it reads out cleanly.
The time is **2:31**
